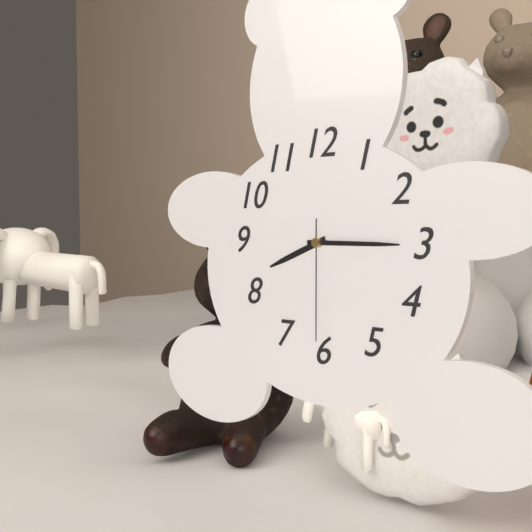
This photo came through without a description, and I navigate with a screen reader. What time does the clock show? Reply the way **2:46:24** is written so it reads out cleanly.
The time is **8:15:30**
